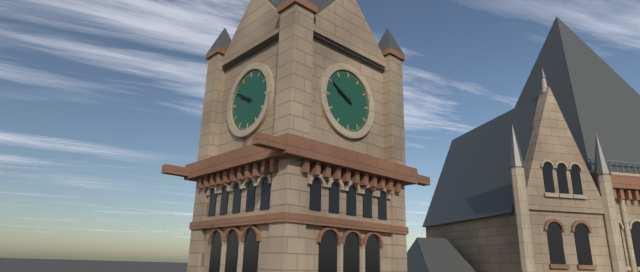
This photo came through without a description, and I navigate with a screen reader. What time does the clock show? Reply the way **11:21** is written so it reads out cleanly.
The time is **9:50**
